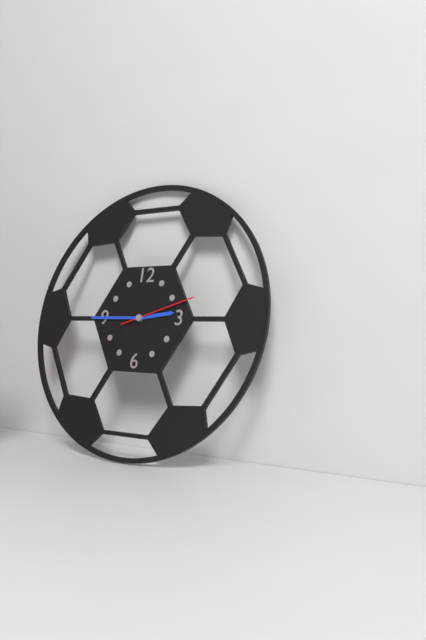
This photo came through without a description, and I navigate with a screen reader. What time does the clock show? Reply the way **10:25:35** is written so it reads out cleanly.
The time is **2:45:12**
